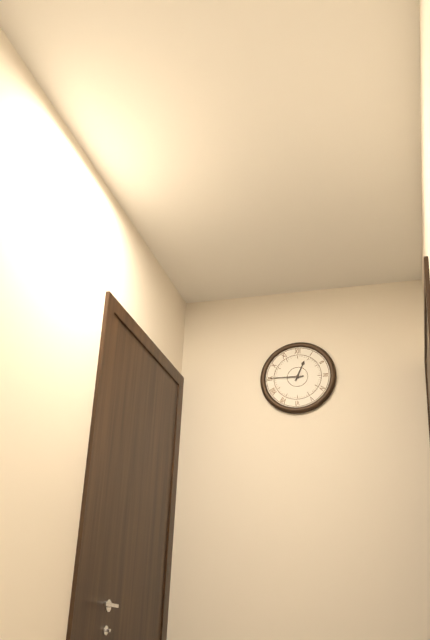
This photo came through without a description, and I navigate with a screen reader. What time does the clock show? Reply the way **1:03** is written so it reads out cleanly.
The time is **12:45**
